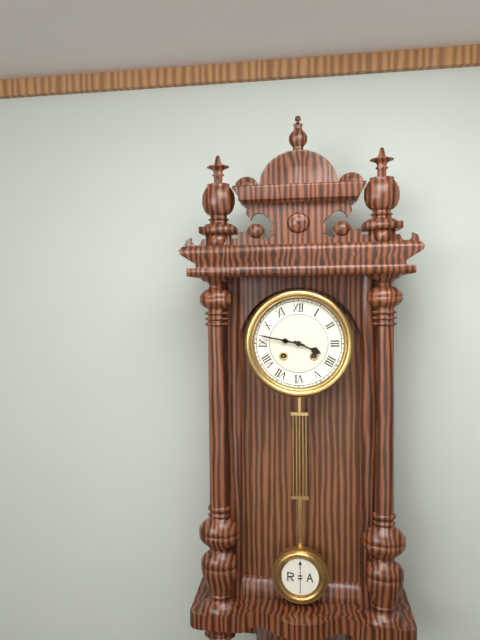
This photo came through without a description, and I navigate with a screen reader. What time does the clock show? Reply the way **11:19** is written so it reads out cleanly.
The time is **3:47**
